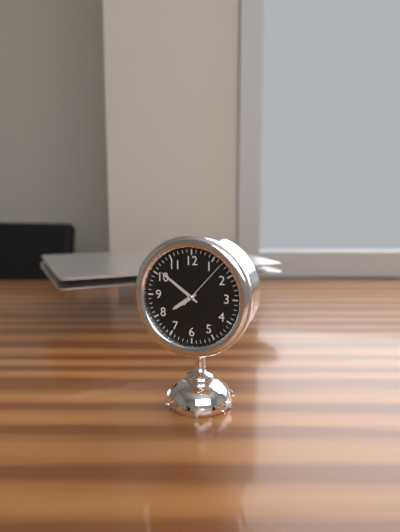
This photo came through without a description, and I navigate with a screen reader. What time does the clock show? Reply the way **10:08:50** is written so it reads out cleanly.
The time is **7:51:07**
